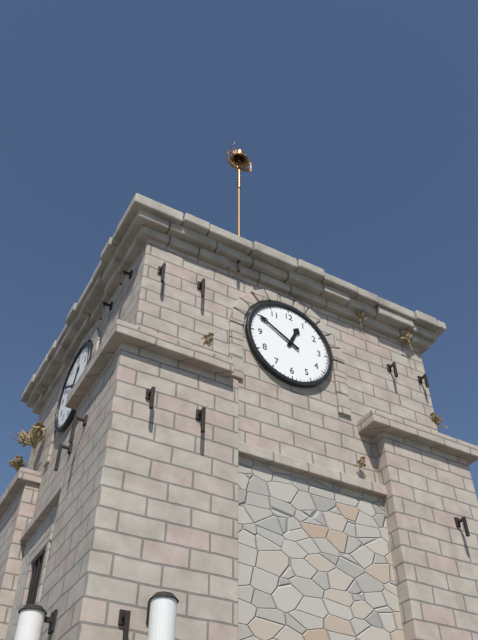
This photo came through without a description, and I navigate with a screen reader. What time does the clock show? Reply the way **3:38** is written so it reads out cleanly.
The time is **12:50**
